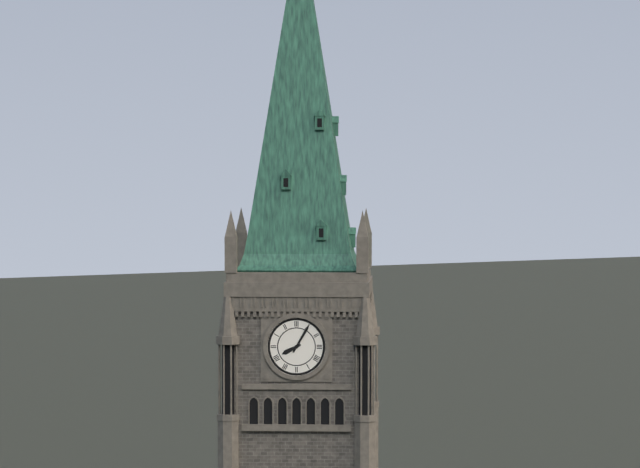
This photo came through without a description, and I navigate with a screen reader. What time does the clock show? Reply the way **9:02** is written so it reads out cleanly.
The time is **8:05**
